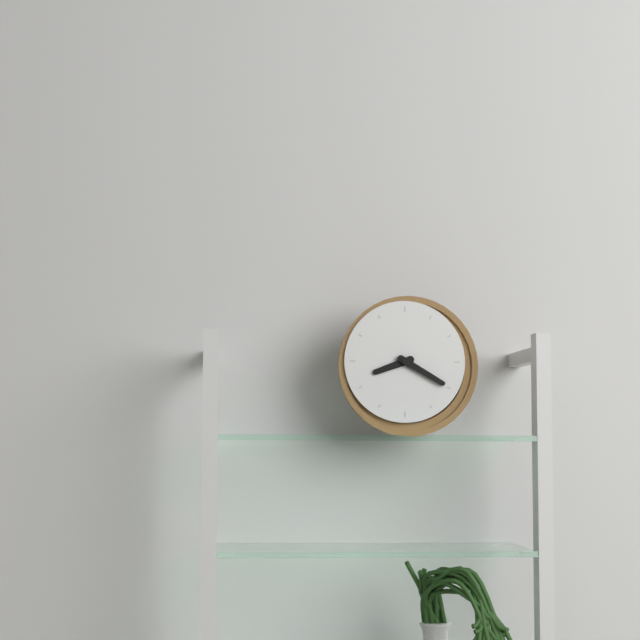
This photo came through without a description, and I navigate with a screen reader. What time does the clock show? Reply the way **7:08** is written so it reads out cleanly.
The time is **8:20**
